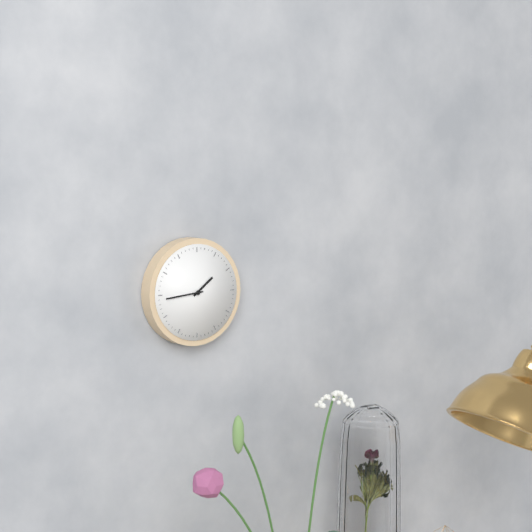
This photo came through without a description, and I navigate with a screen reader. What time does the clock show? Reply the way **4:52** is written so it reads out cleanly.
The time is **1:44**
